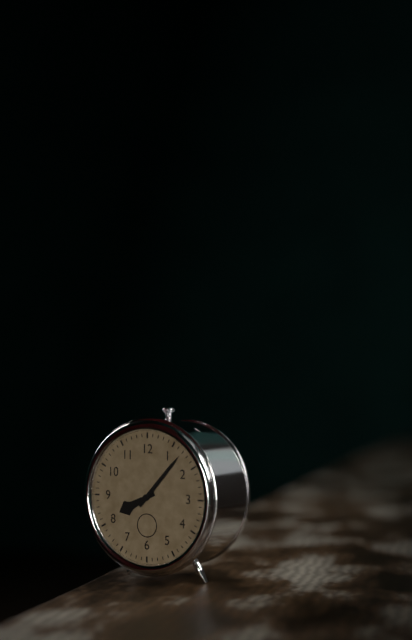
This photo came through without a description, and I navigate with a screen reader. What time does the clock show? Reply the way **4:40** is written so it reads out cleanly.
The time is **8:07**
